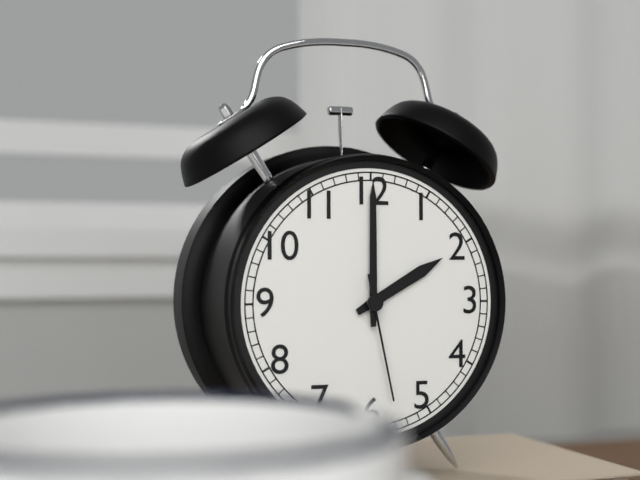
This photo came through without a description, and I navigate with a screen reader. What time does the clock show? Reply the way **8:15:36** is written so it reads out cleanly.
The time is **2:00:28**
